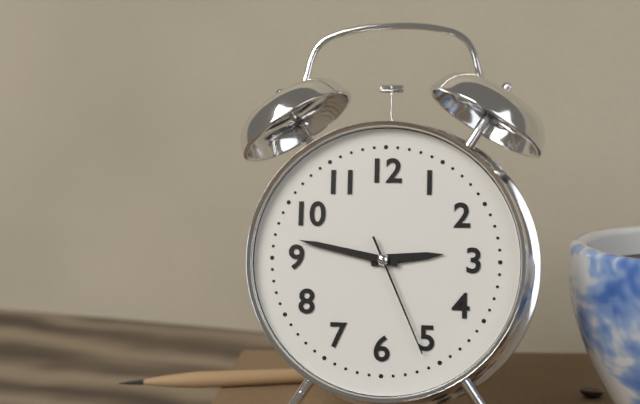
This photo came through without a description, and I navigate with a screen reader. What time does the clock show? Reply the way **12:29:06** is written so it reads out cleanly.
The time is **2:47:26**
